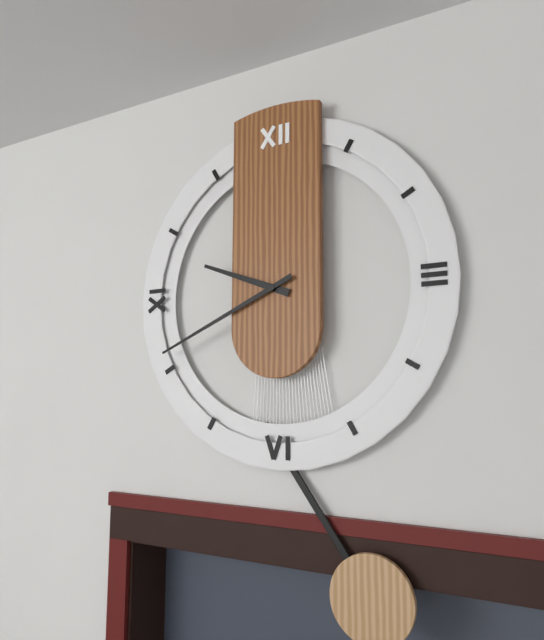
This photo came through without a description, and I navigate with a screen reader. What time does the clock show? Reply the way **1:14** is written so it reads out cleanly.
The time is **9:41**
